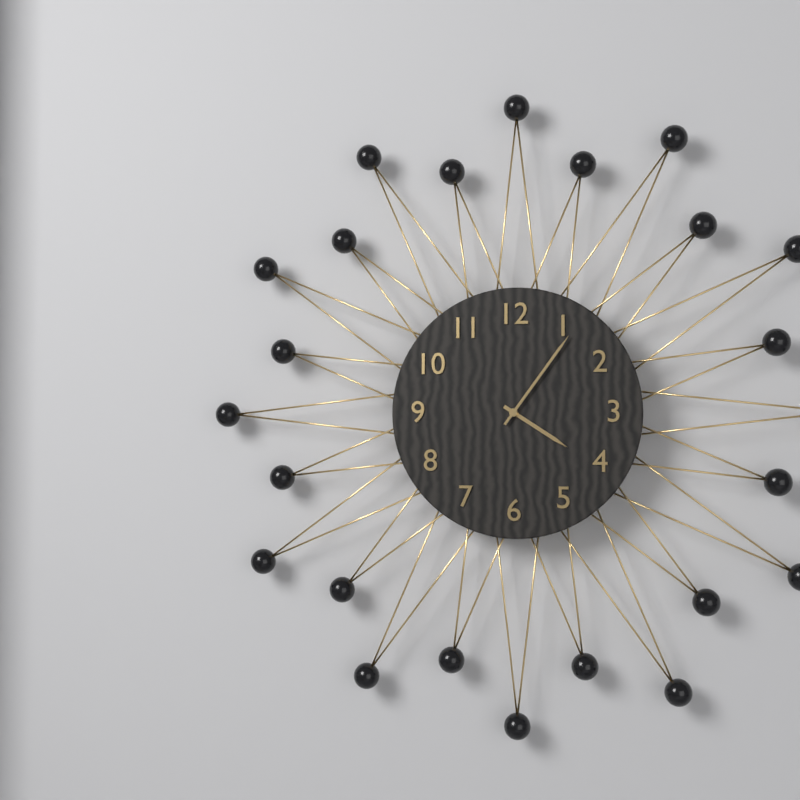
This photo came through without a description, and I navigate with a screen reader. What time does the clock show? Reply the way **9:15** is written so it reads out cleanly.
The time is **4:06**
